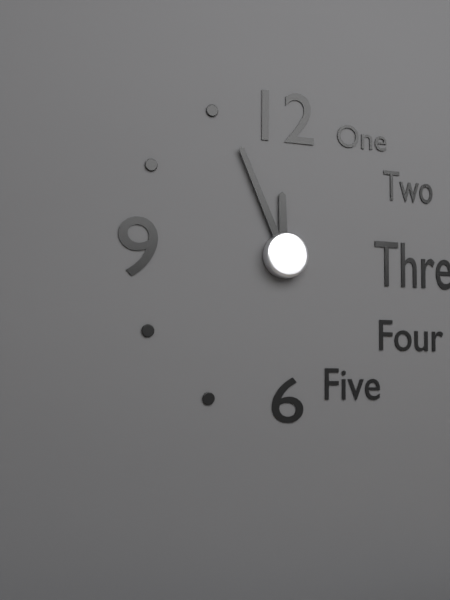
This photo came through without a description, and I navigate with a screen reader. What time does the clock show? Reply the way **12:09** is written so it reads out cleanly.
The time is **11:56**
